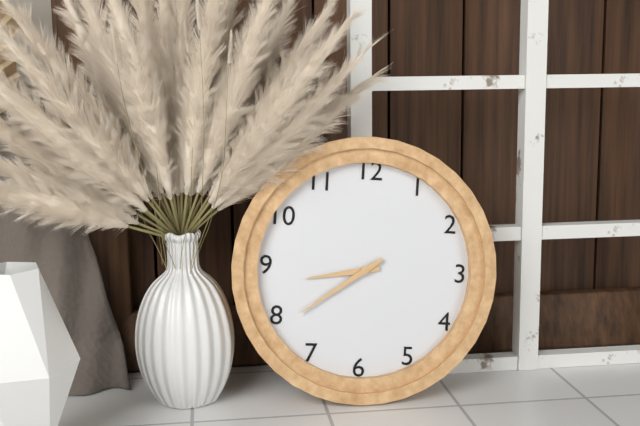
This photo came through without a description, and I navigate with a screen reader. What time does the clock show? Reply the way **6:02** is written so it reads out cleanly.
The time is **8:39**
